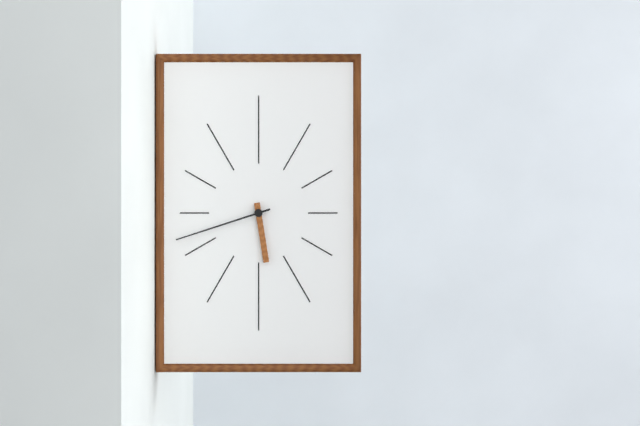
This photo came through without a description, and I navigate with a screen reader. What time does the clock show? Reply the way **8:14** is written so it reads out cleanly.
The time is **5:42**
